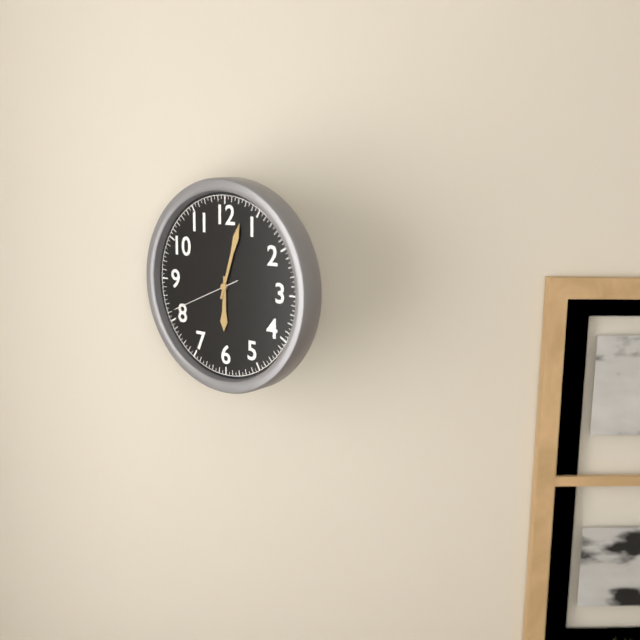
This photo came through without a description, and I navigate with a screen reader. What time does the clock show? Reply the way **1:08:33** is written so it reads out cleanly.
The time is **6:03:41**
